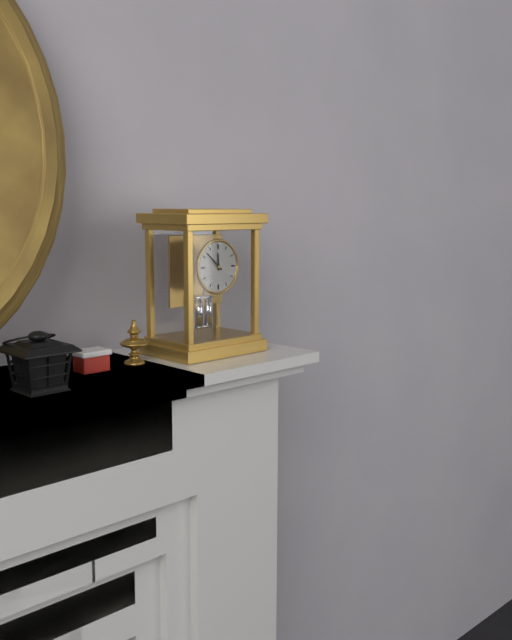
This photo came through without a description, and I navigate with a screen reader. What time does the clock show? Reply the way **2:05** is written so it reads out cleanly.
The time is **11:52**
